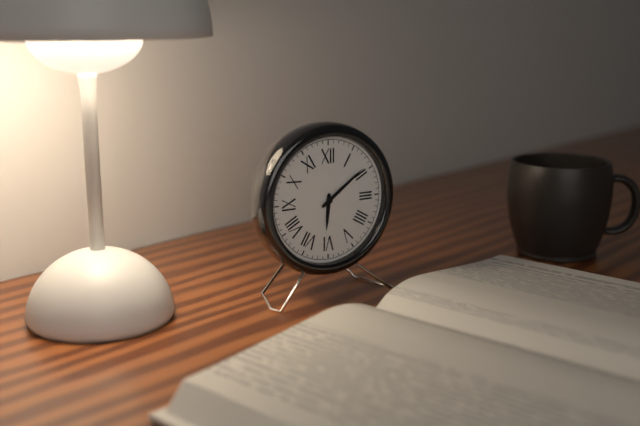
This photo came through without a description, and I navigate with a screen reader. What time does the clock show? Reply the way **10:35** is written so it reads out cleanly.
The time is **6:09**
